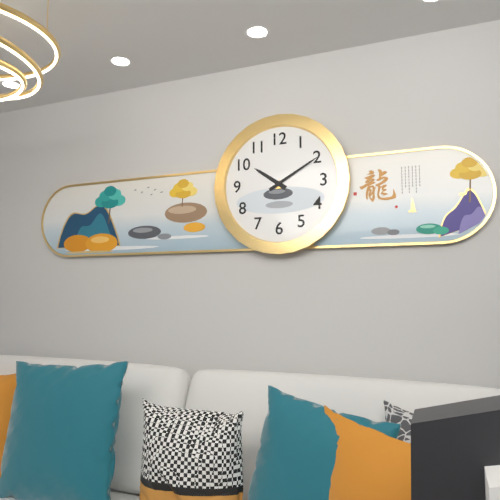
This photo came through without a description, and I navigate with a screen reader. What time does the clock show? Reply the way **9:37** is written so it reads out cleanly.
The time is **10:10**
